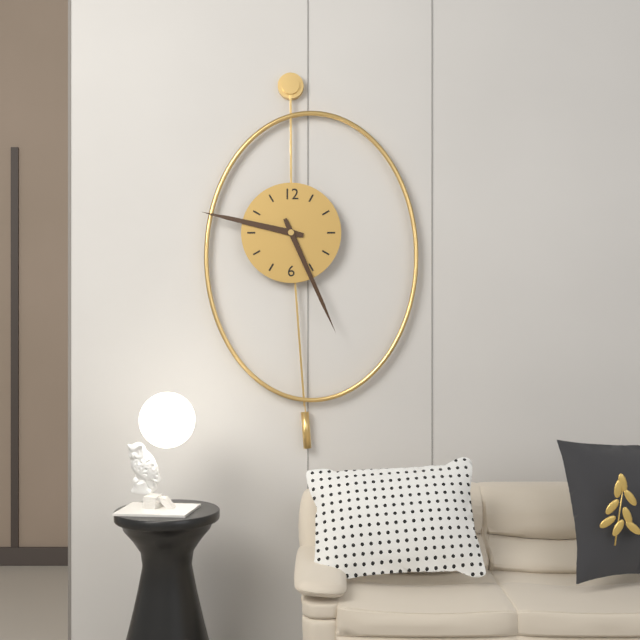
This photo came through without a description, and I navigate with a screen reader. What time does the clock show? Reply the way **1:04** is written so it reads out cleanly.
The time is **9:26**
